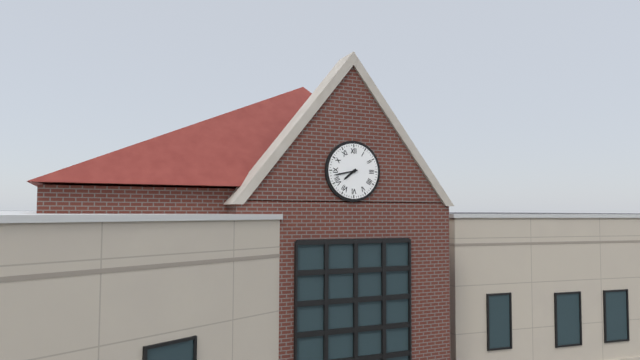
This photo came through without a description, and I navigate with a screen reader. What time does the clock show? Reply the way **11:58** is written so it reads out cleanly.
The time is **7:43**
